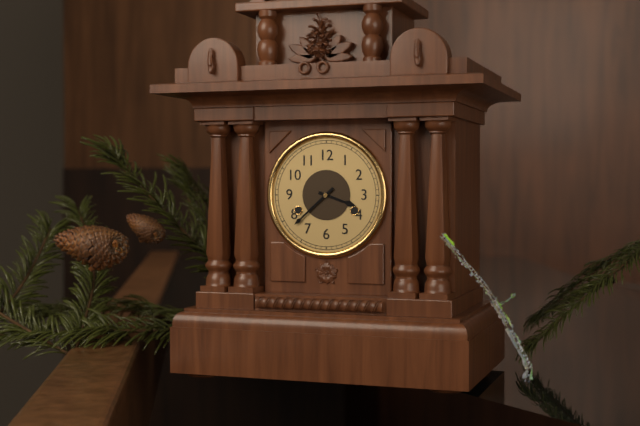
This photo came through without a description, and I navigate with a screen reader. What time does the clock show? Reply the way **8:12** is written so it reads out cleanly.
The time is **3:38**
